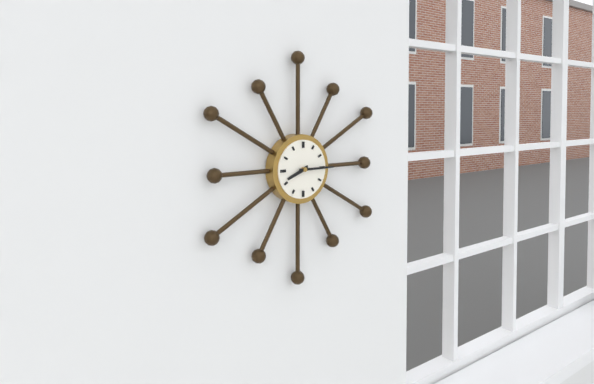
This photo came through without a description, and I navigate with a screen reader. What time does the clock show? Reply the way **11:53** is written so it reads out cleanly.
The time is **8:15**
